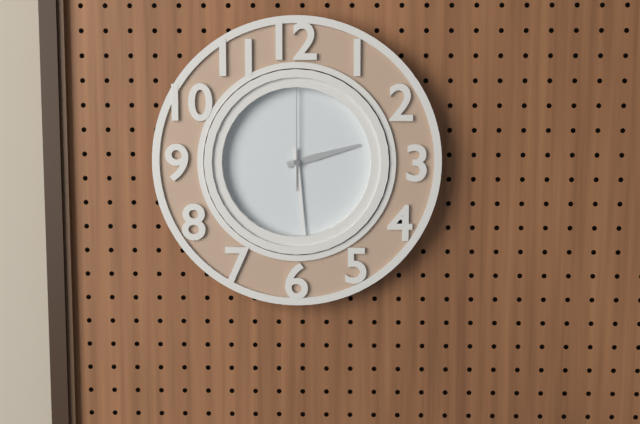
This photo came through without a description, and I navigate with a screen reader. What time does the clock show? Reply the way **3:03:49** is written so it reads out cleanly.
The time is **2:29:00**
